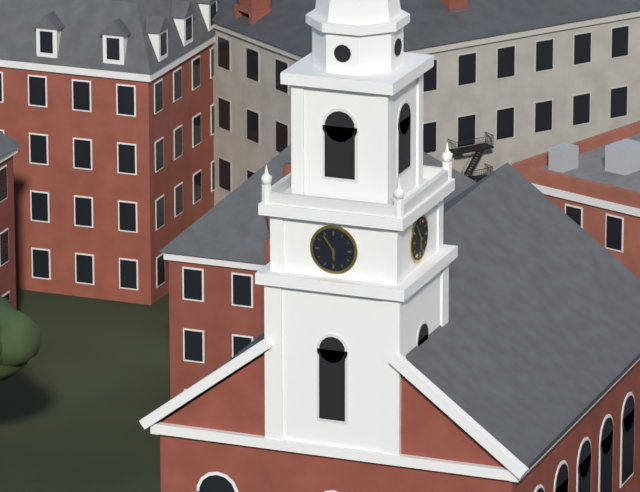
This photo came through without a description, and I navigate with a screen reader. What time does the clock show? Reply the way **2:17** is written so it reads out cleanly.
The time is **5:54**
